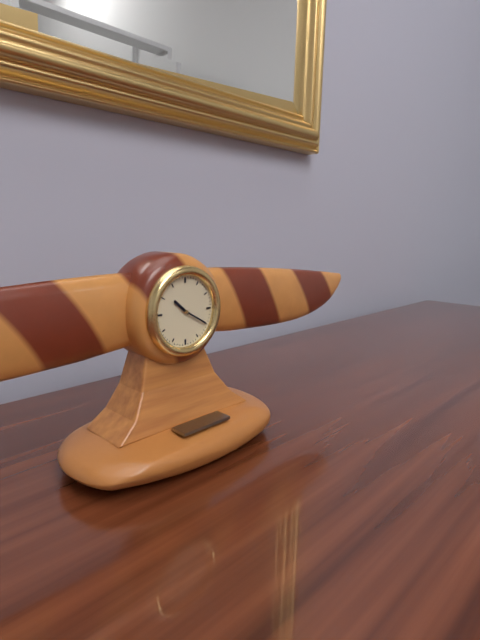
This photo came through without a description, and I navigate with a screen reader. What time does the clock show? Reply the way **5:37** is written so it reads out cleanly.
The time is **10:20**
